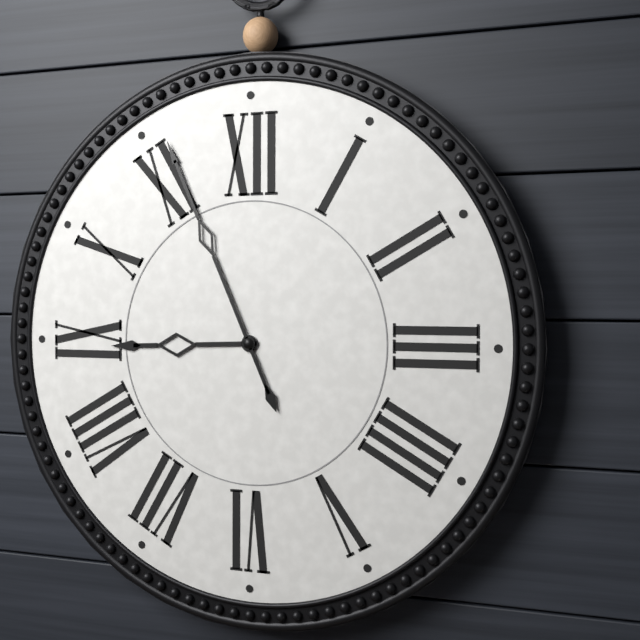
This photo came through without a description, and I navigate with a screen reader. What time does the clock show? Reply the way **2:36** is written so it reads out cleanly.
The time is **8:56**
